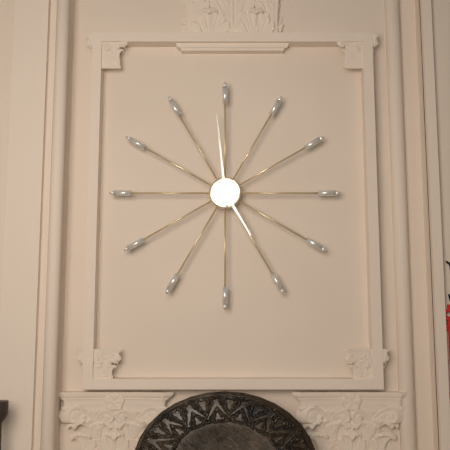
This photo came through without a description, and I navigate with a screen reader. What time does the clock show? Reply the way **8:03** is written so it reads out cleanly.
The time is **4:59**
